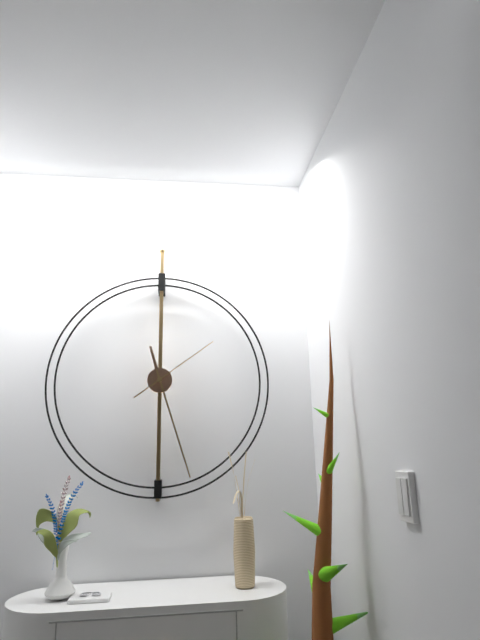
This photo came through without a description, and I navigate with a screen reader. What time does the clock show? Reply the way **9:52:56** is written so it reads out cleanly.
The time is **11:27:09**
